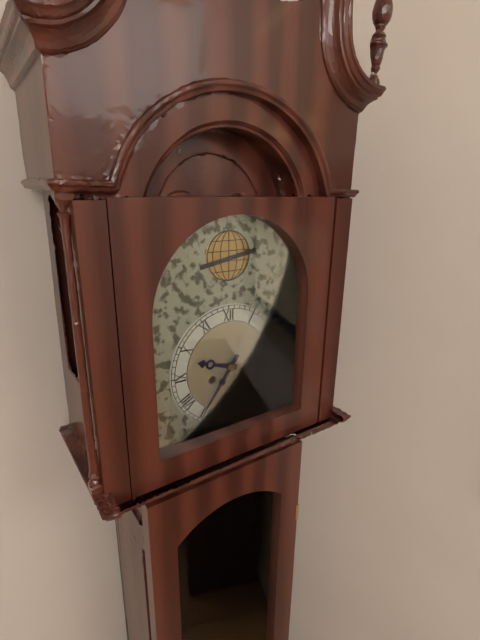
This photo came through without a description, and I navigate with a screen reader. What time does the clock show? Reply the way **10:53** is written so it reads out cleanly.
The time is **9:36**
